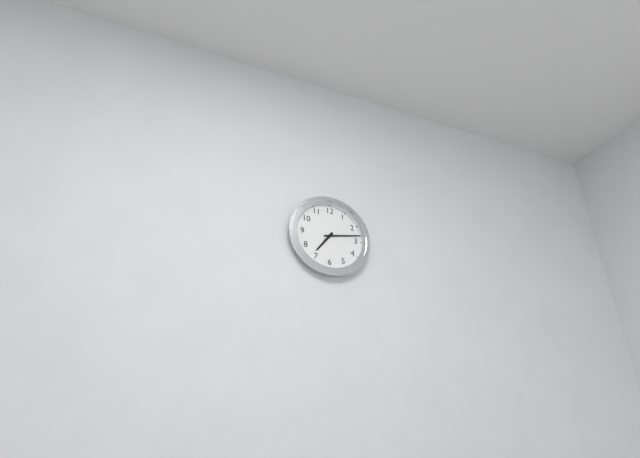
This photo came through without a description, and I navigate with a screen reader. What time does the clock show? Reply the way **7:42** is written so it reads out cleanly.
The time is **7:13**
